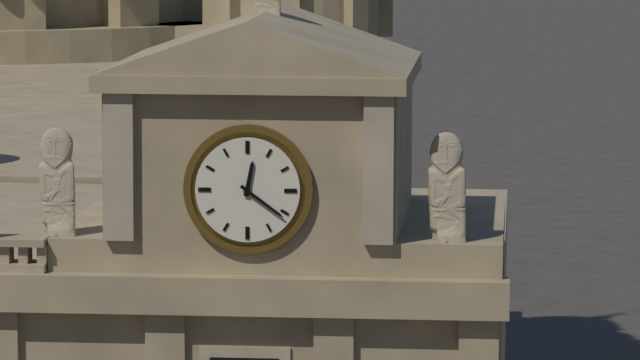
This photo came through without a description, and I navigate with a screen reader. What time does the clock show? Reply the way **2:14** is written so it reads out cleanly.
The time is **12:21**
